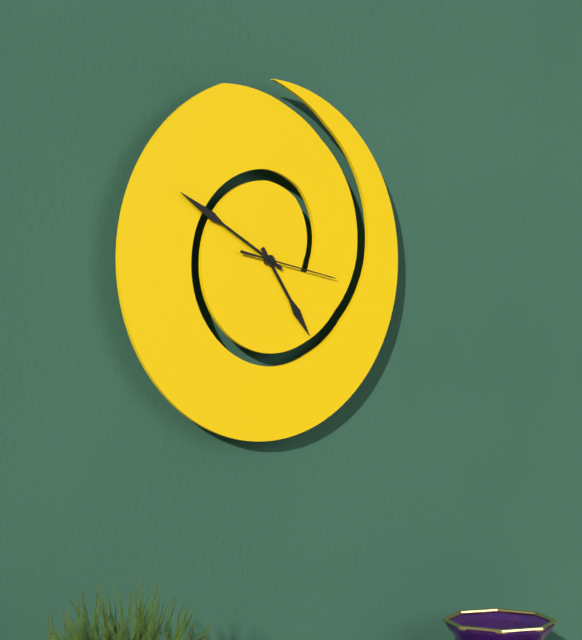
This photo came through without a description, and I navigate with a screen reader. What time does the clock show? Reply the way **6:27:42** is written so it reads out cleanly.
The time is **4:50:17**
